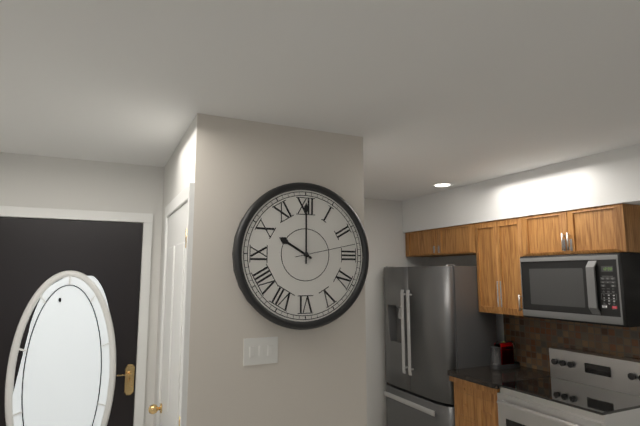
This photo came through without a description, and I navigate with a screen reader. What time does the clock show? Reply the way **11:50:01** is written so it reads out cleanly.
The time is **10:00:13**
